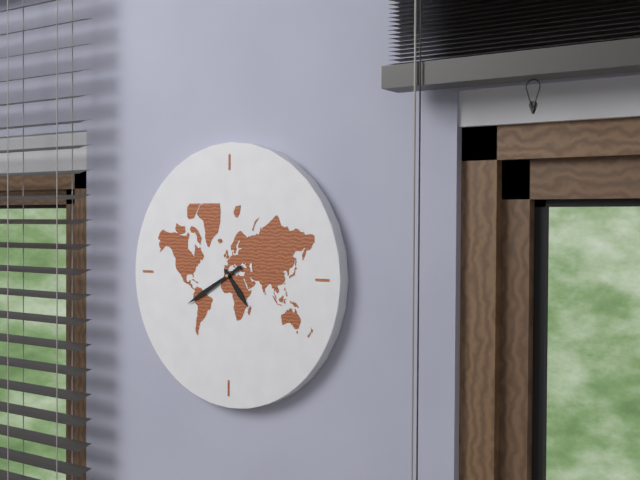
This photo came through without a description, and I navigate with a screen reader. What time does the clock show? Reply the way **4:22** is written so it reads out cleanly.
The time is **4:40**
